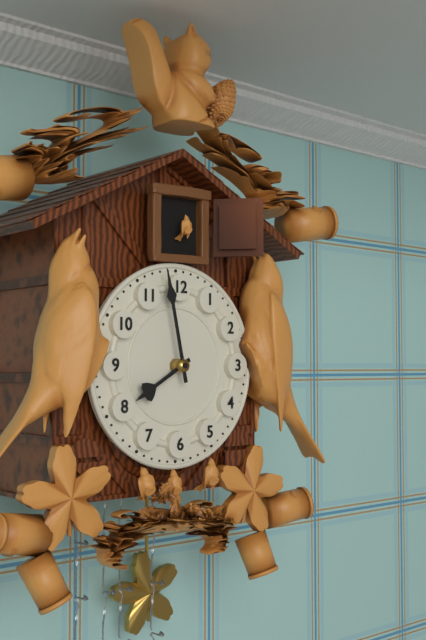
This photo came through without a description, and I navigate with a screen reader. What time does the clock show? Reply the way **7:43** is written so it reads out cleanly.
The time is **7:58**
